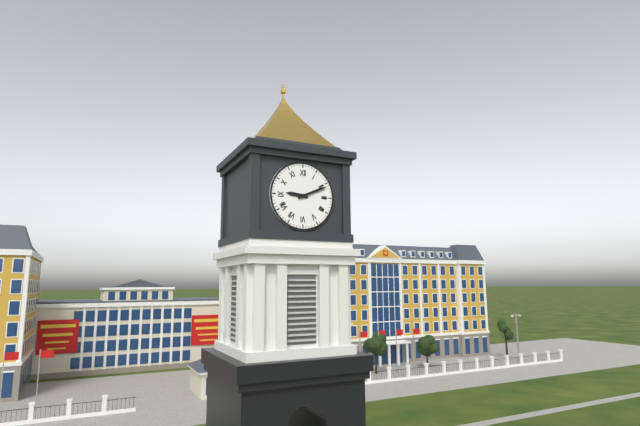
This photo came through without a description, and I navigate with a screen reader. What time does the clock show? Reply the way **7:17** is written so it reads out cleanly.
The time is **9:11**
